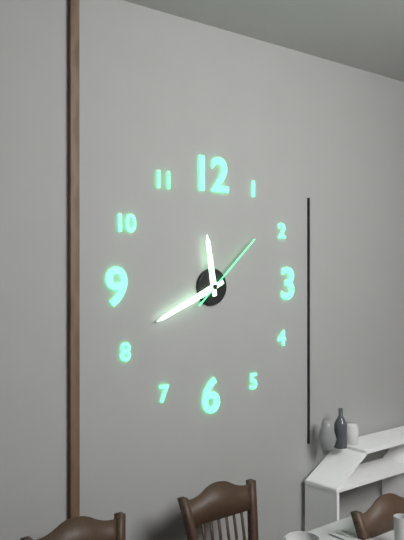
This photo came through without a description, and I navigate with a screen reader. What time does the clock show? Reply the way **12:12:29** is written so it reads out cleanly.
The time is **11:41:08**
